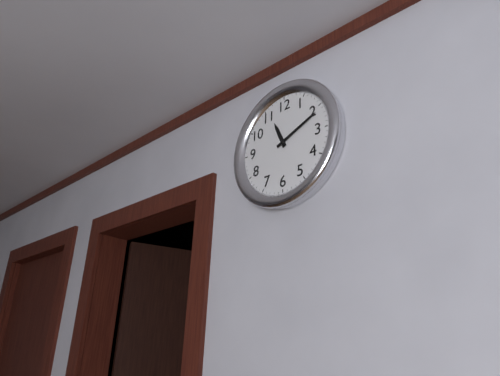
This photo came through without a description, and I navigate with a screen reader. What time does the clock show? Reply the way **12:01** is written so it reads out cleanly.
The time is **11:11**
